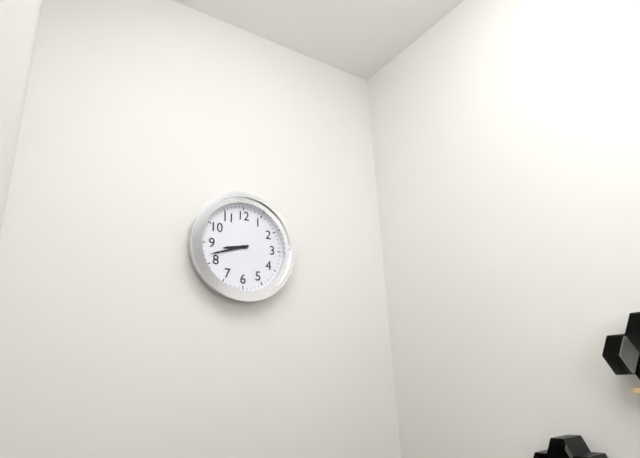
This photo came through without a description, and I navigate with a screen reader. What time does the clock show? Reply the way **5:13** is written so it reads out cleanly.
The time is **8:42**
